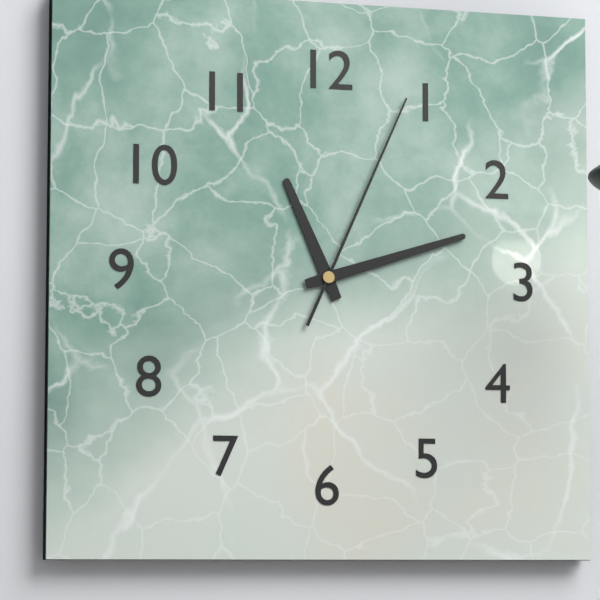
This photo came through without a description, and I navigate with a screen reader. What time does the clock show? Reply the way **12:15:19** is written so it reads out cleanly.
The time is **11:12:04**
